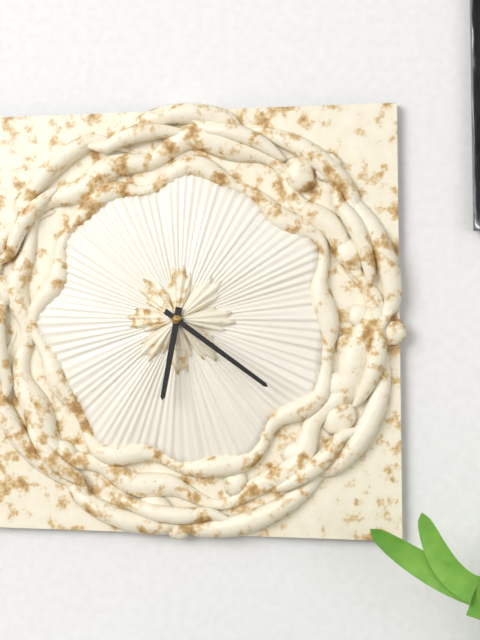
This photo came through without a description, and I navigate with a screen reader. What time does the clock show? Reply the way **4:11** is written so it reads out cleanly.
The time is **6:21**
